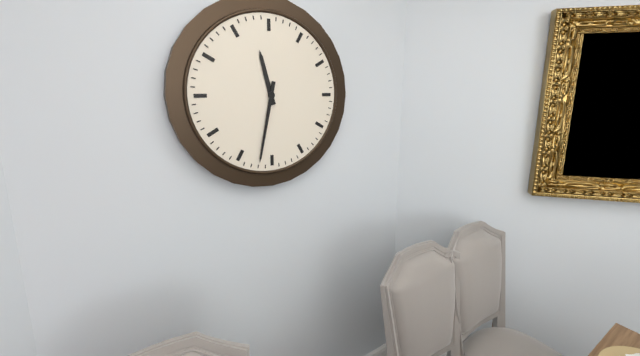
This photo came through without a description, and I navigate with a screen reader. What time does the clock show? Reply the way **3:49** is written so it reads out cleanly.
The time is **11:32**
